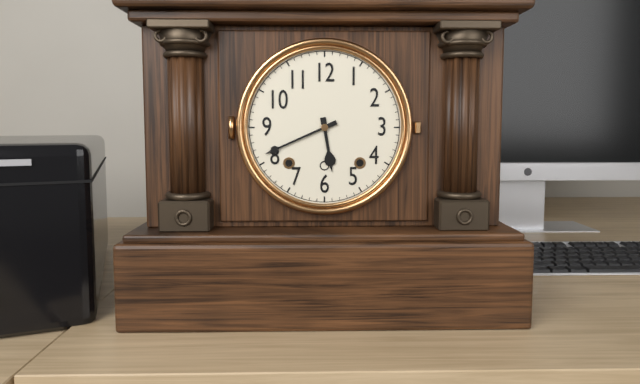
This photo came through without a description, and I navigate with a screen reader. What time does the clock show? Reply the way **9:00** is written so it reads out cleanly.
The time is **5:41**
